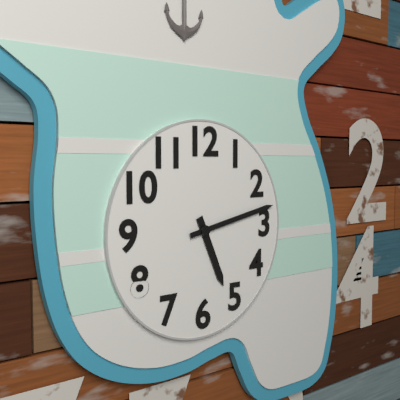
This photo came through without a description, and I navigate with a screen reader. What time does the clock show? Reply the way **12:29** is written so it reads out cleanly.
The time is **5:13**
